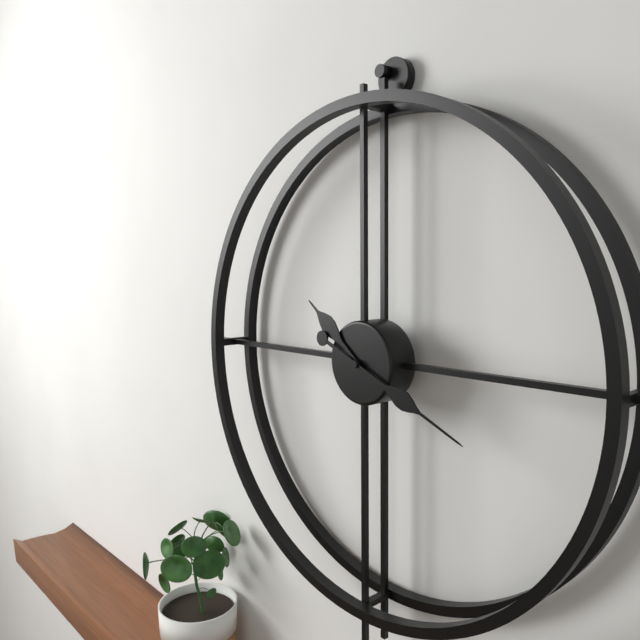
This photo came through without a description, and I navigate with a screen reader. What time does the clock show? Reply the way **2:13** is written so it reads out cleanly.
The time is **10:19**
